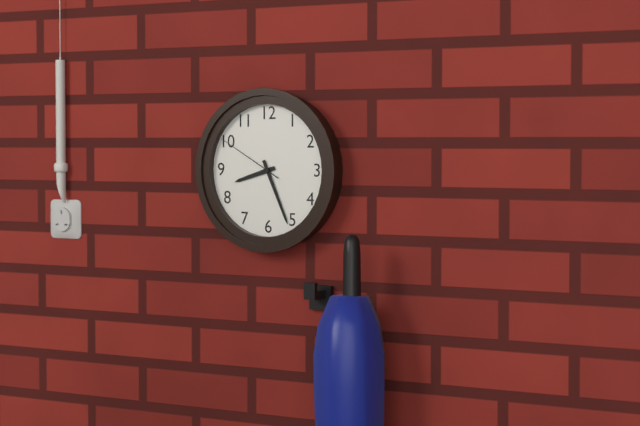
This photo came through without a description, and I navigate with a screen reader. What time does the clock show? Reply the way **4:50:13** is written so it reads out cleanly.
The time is **8:26:50**
